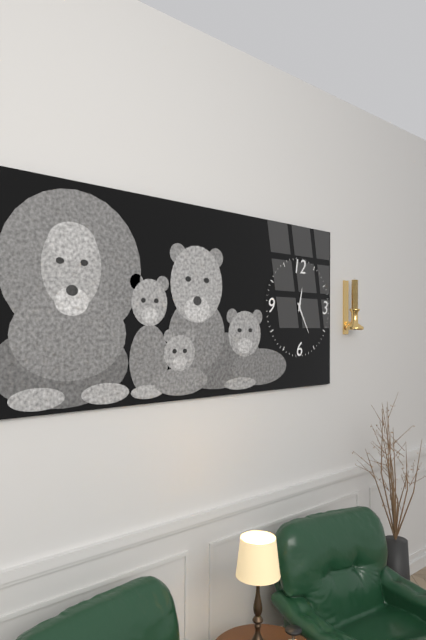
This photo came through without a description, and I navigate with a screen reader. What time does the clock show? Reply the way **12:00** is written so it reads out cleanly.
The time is **12:25**
